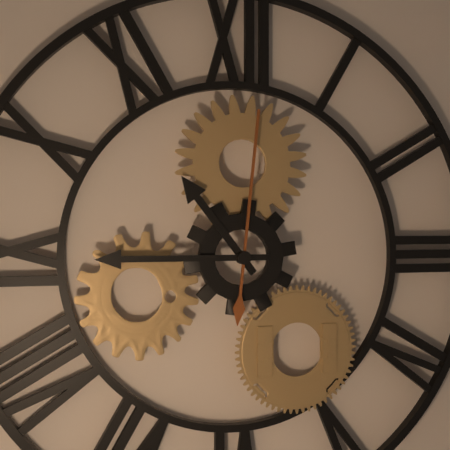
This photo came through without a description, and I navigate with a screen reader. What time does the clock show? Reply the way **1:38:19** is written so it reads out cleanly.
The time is **10:45:01**
